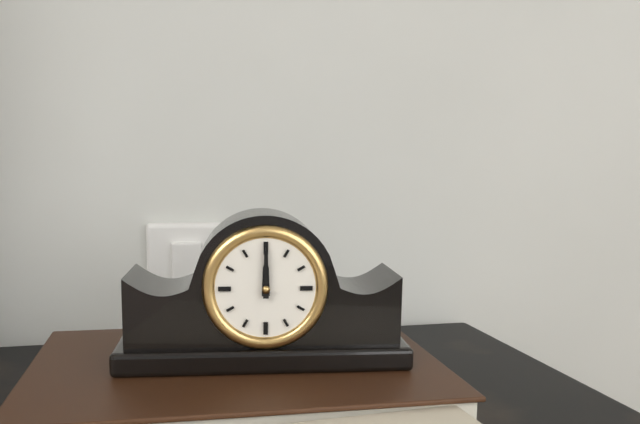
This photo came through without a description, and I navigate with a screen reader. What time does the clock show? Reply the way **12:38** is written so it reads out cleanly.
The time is **12:00**
